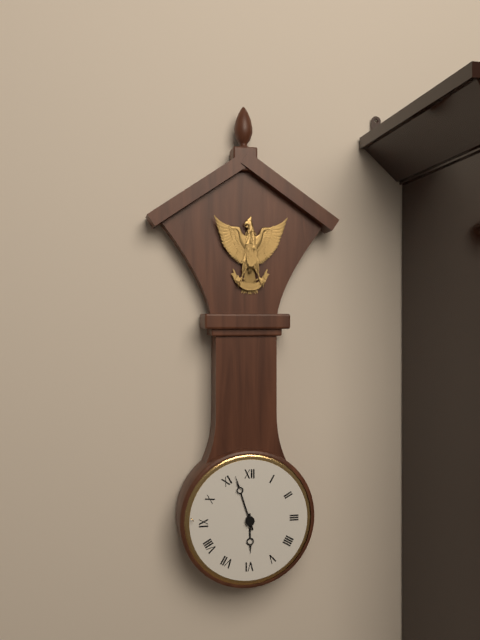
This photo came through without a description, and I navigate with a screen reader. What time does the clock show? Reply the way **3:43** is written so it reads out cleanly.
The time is **5:57**
